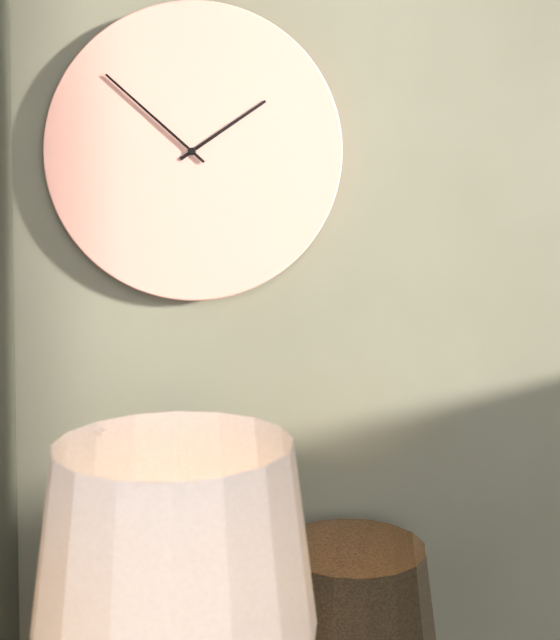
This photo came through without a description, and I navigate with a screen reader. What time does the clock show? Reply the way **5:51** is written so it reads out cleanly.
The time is **1:52**
